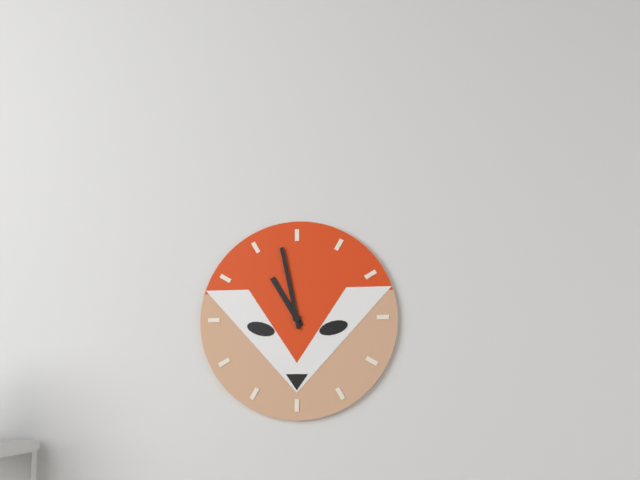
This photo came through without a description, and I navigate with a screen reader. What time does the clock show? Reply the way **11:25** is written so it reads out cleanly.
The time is **10:58**
